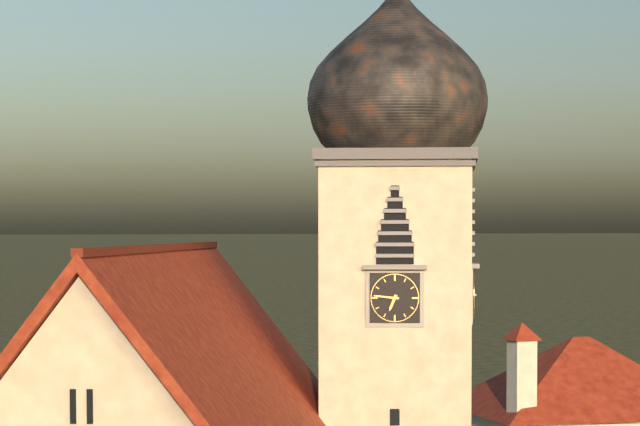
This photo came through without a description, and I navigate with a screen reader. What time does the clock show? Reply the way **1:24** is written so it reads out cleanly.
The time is **6:46**
